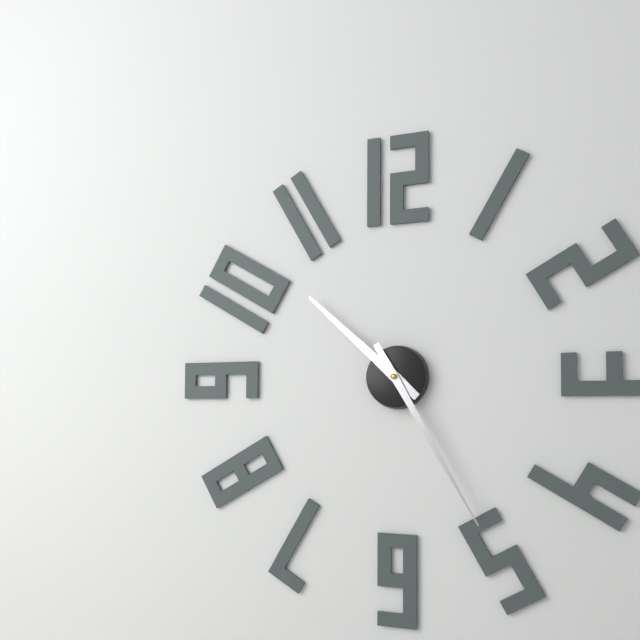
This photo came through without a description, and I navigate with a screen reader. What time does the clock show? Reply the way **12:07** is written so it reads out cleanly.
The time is **10:25**
